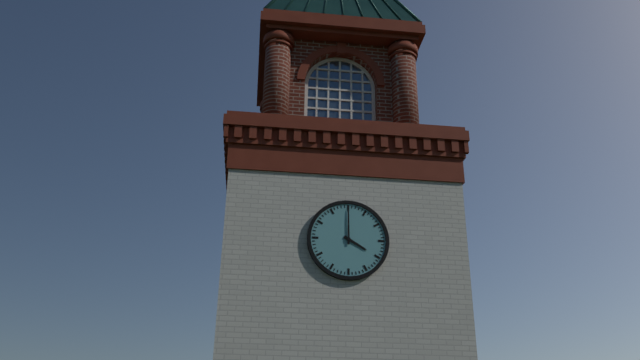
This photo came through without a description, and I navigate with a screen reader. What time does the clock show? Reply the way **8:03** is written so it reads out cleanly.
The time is **4:00**
